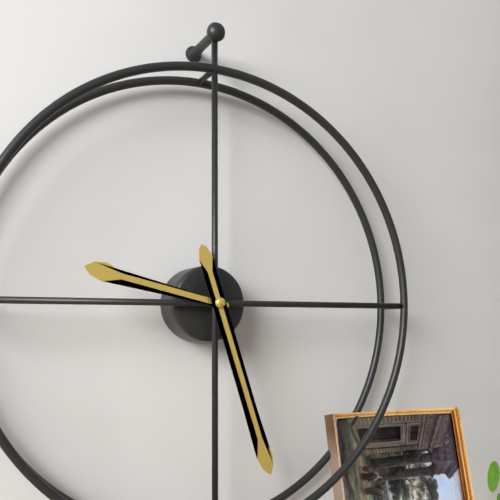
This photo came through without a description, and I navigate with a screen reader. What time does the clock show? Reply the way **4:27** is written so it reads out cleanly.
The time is **9:27**
